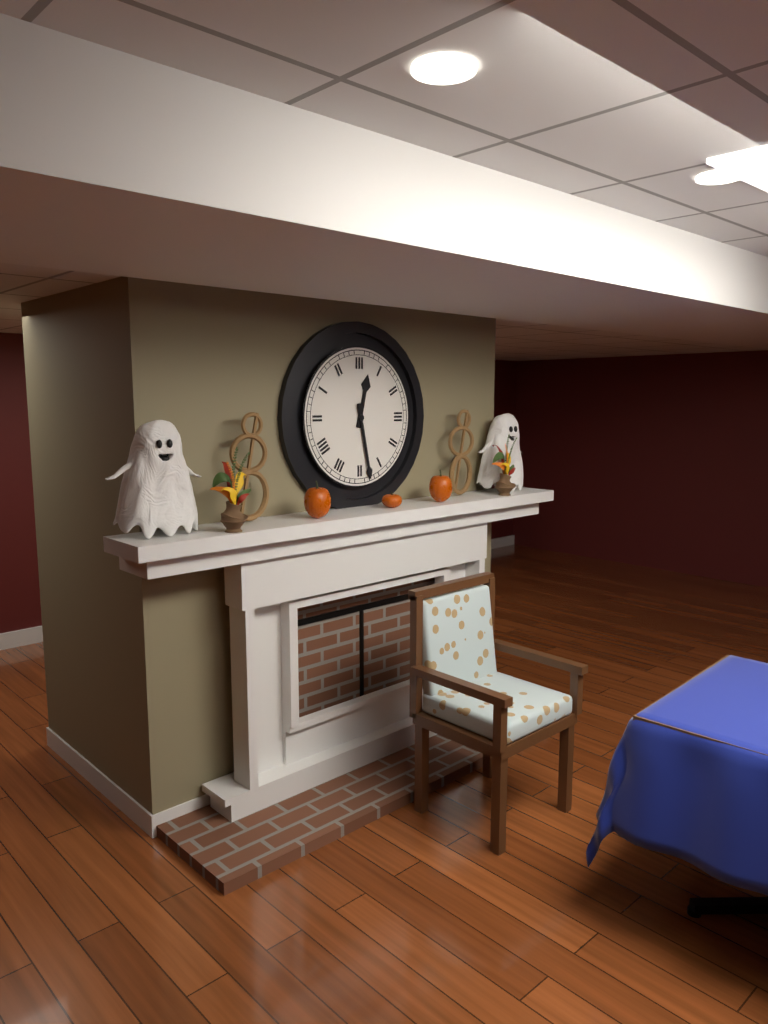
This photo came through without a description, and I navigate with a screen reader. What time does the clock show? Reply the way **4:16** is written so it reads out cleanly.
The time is **12:28**
